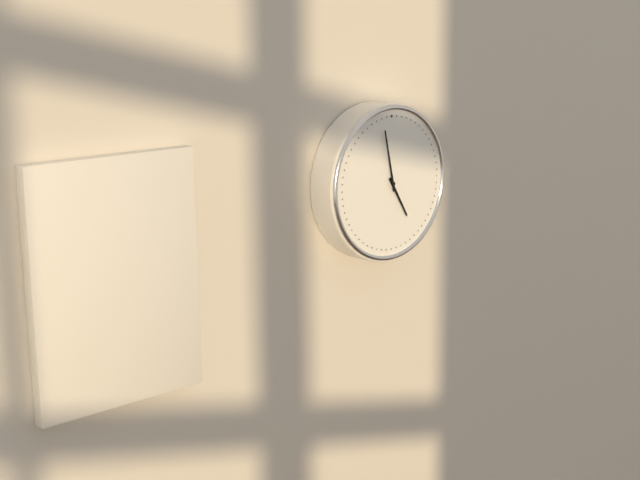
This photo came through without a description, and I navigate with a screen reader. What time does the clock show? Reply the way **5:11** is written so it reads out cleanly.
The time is **4:58**
